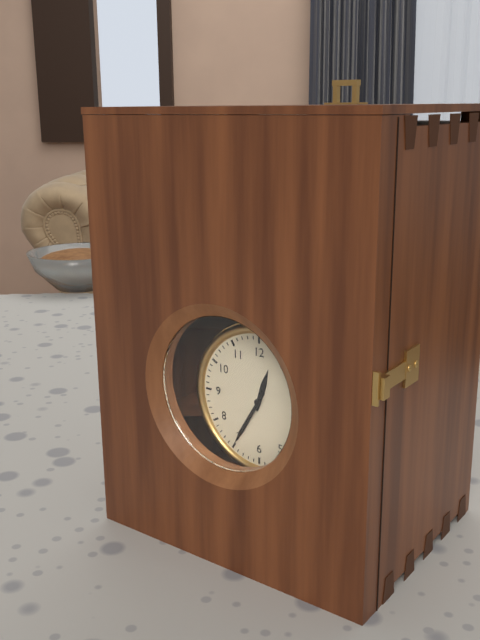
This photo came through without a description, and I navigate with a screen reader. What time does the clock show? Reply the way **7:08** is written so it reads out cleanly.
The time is **12:35**
